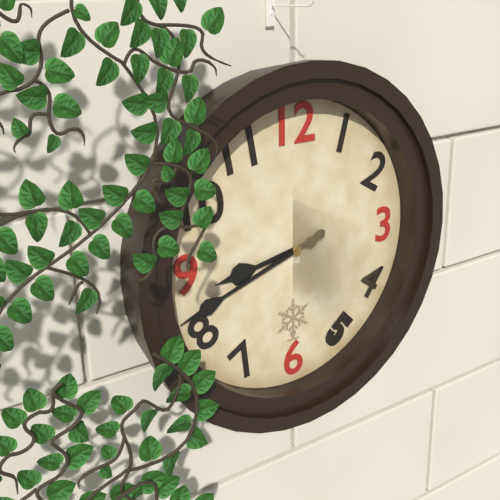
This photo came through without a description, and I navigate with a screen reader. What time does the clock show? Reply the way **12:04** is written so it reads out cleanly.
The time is **8:42**
